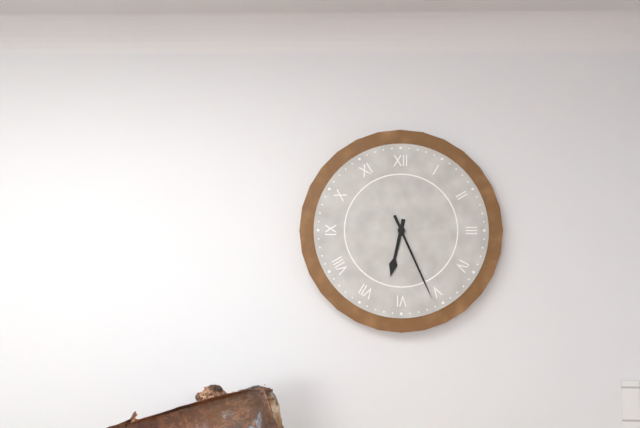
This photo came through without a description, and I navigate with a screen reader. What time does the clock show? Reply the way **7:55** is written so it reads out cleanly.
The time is **6:26**
